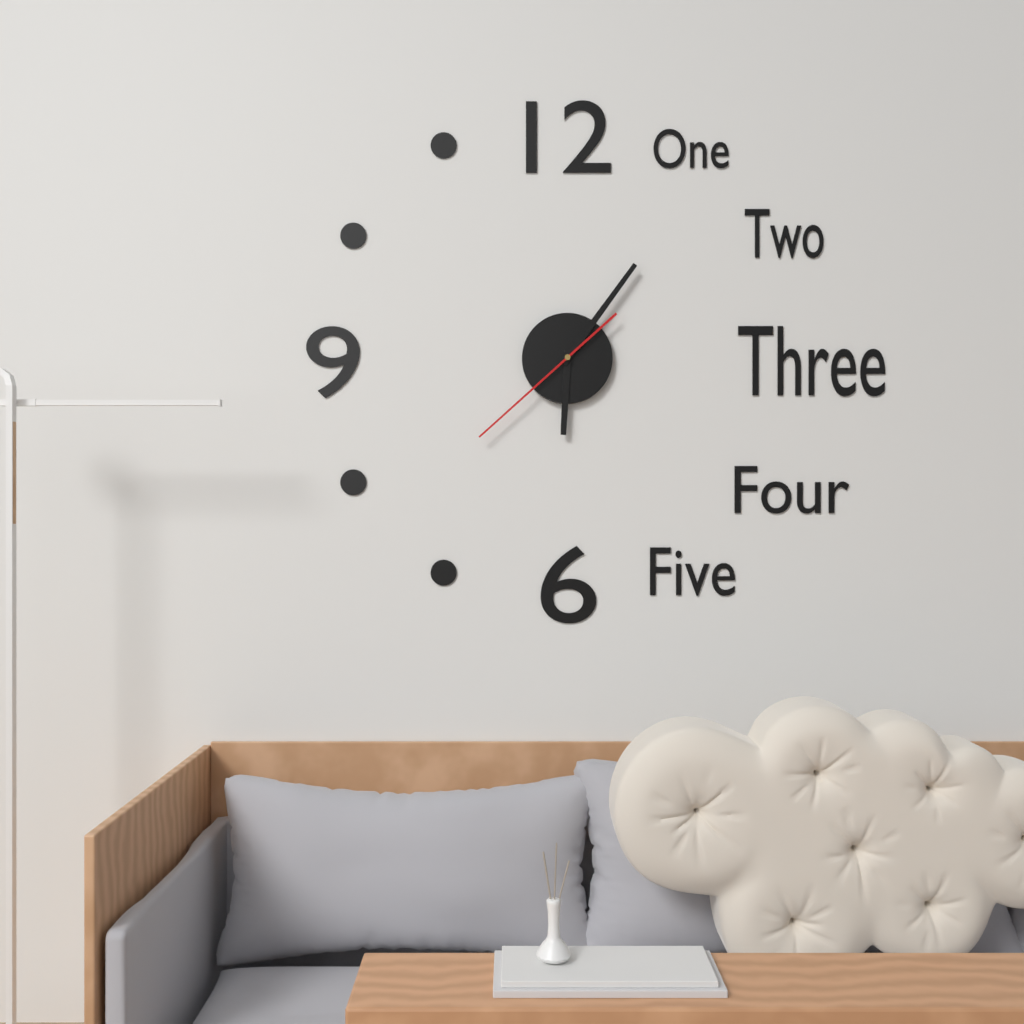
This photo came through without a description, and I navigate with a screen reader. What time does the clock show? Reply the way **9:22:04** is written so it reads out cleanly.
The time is **6:06:38**
